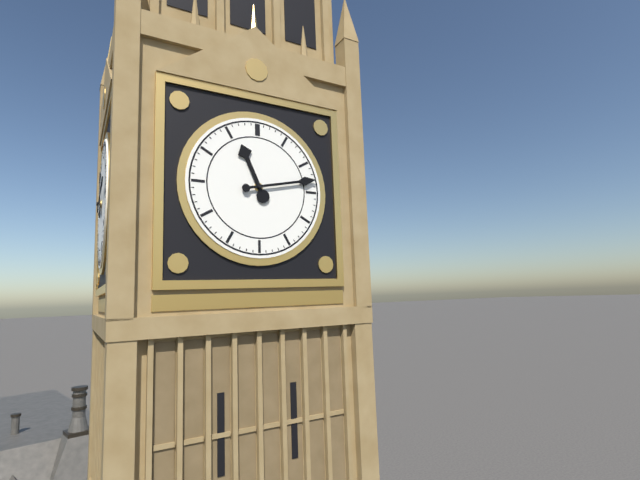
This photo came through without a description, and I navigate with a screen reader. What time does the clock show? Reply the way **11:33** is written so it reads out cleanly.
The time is **11:13**
